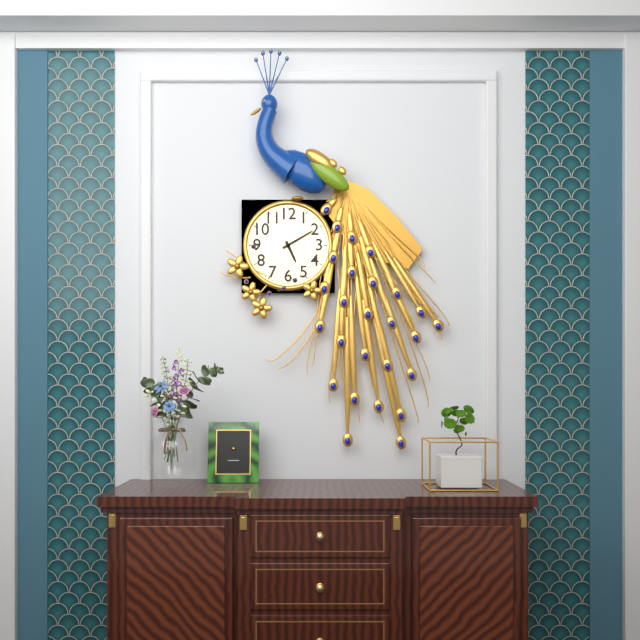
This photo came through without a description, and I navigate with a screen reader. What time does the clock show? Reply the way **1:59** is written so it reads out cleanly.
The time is **5:10**
